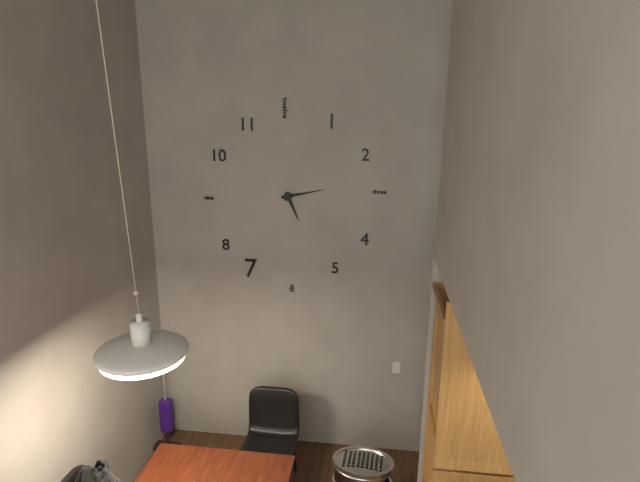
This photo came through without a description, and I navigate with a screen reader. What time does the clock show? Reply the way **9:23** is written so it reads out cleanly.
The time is **5:13**
